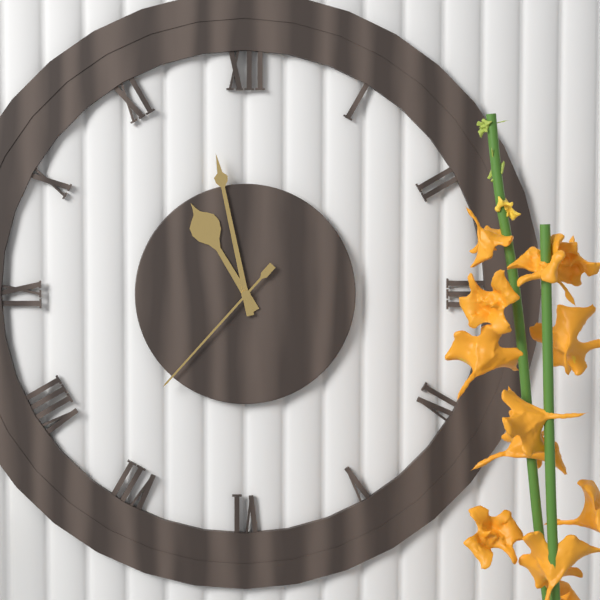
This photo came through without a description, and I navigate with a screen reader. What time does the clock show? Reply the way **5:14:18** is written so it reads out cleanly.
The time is **10:58:37**
